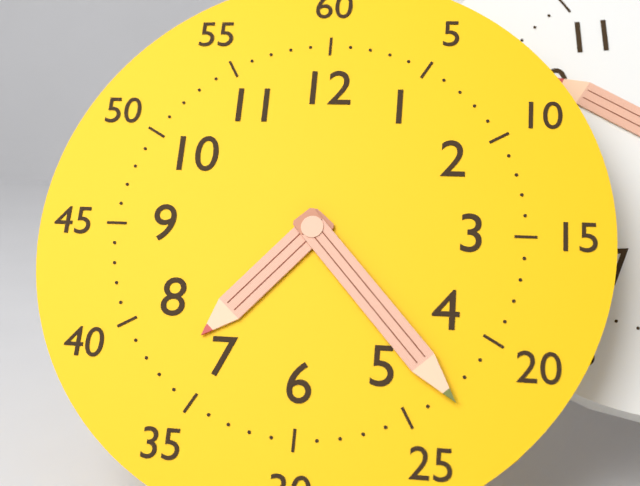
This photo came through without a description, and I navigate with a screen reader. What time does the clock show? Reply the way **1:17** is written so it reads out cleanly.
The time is **7:23**
